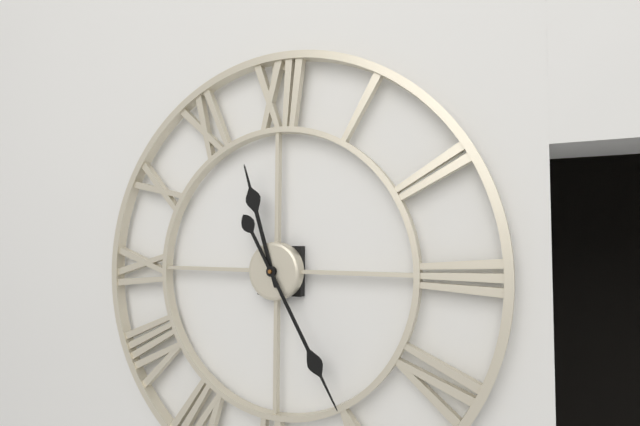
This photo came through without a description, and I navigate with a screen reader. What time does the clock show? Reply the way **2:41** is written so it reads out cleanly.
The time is **11:25**
